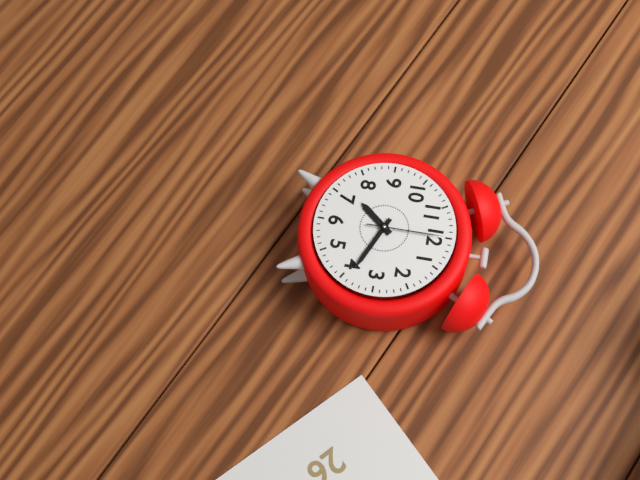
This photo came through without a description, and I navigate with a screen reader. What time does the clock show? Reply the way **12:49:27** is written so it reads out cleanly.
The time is **7:19:00**
